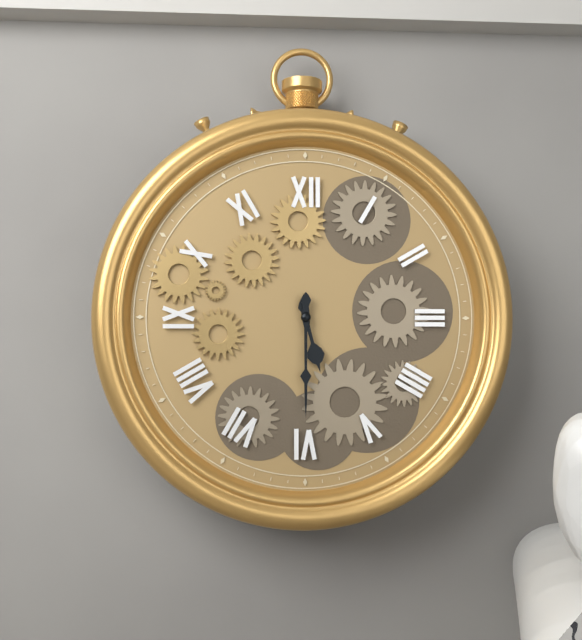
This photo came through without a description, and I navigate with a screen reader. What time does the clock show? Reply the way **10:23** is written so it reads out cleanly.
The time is **5:30**
